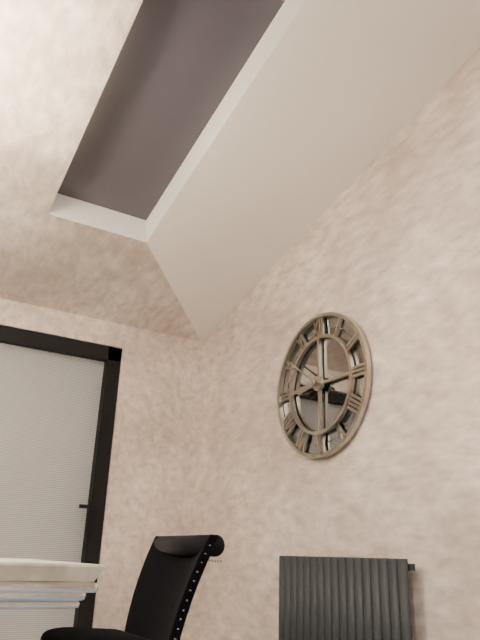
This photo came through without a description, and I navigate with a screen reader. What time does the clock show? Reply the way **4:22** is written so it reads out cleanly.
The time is **8:51**
